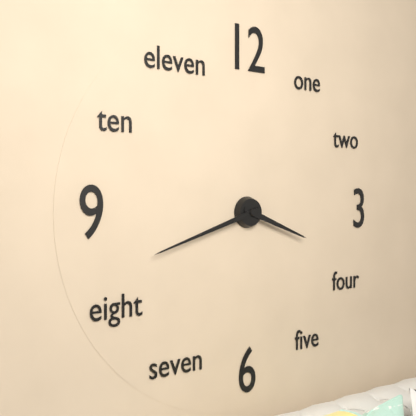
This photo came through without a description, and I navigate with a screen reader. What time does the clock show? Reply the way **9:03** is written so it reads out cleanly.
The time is **3:42**
